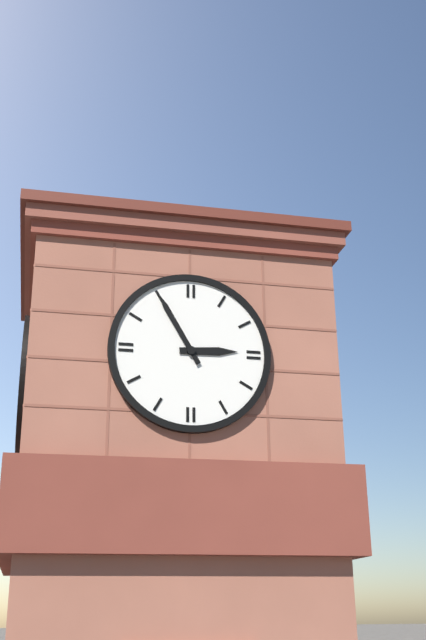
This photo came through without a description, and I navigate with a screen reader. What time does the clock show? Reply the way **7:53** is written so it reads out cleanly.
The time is **2:55**
